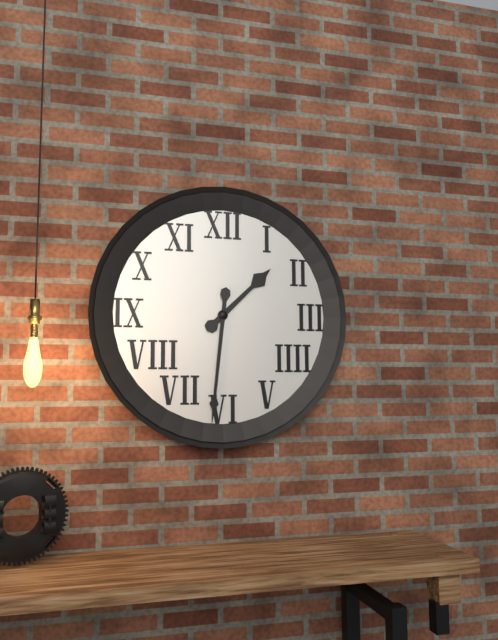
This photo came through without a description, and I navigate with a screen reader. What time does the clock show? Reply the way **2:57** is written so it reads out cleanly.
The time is **1:31**
